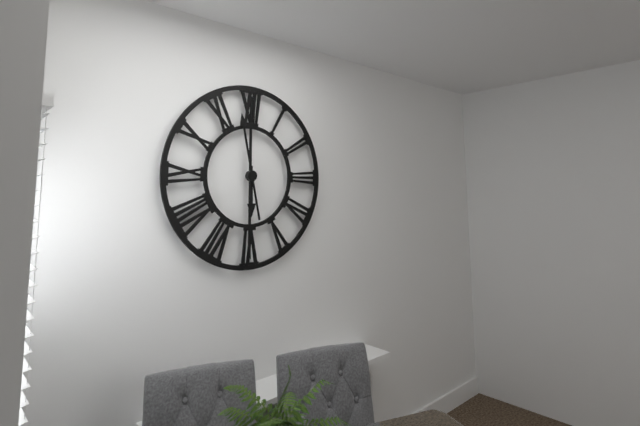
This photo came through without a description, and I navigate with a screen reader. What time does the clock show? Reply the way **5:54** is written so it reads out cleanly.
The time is **5:58**
